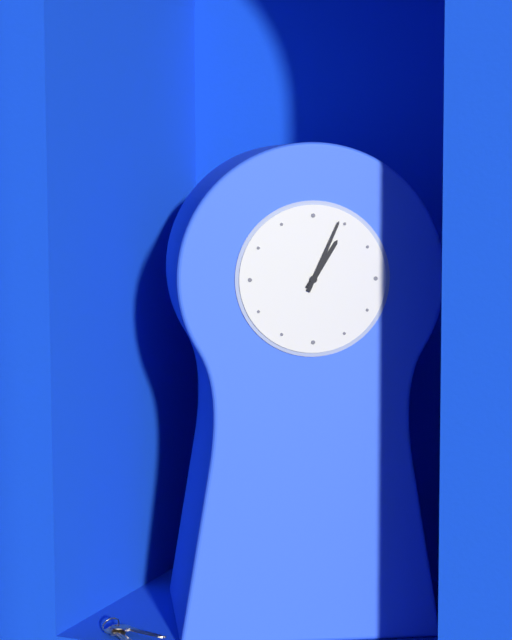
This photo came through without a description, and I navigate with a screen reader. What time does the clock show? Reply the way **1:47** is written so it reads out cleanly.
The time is **1:04**
